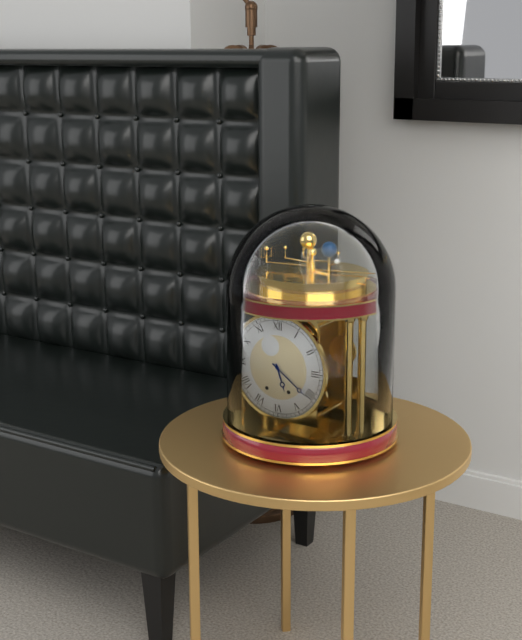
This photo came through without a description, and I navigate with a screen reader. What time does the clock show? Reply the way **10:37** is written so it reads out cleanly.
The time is **5:21**
